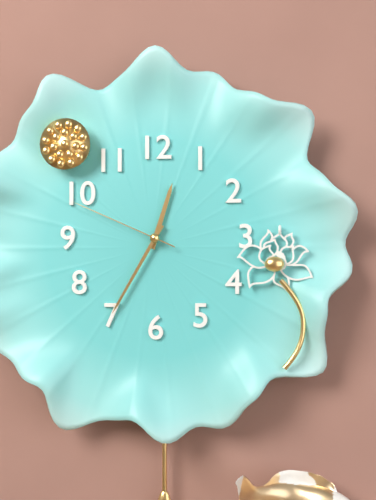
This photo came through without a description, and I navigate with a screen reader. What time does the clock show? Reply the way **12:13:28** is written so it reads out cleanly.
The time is **12:35:49**
